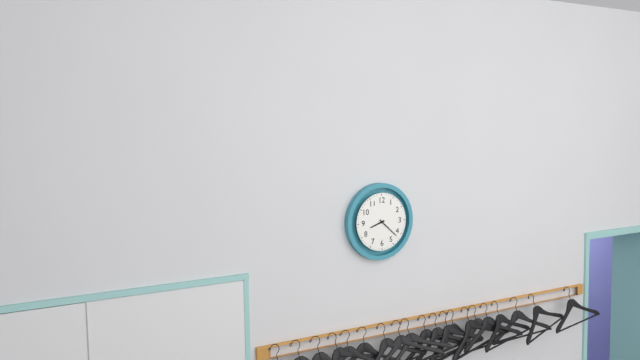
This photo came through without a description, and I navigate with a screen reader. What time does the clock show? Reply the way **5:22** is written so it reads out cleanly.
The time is **8:22**
